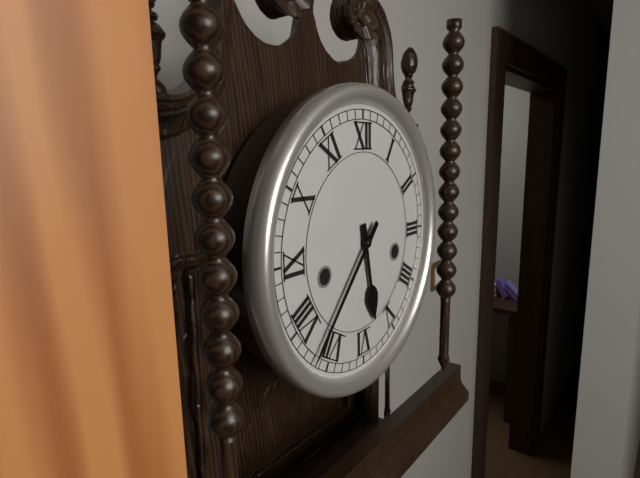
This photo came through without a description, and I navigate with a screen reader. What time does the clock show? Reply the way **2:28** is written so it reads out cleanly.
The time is **5:37**
